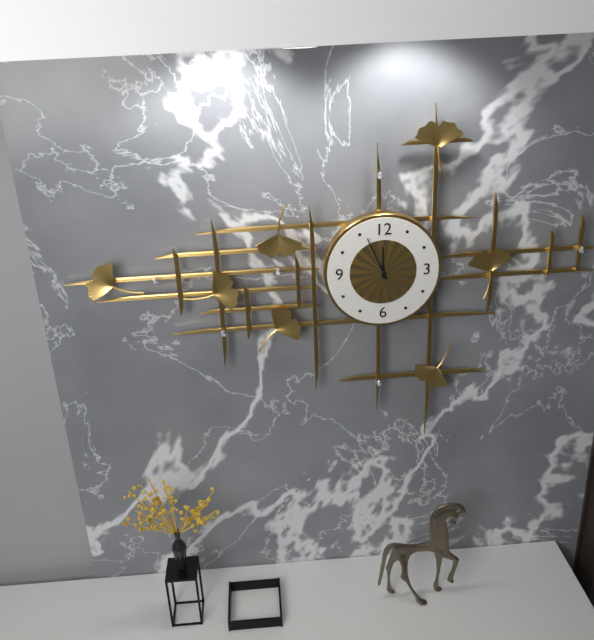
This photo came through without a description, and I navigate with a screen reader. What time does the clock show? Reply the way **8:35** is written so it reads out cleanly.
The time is **11:56**
